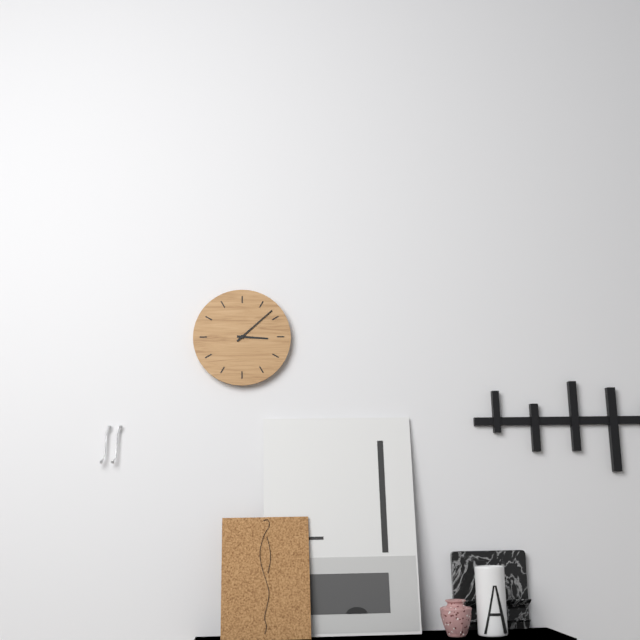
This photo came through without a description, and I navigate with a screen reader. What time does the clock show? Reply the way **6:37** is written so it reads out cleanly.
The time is **3:08**
